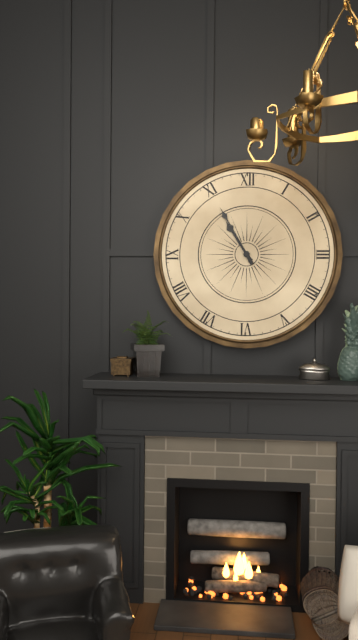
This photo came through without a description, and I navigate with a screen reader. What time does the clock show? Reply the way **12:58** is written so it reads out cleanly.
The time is **10:55**
